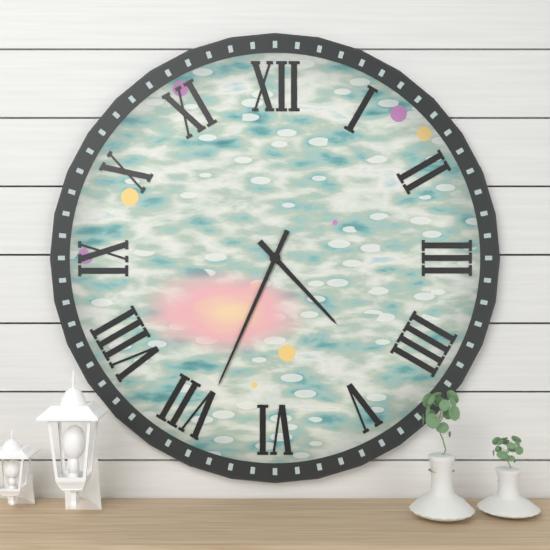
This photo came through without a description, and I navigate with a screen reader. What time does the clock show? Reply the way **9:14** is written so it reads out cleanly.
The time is **4:34**
